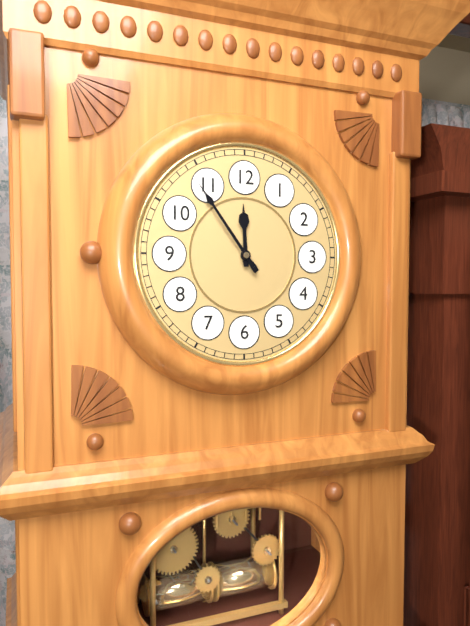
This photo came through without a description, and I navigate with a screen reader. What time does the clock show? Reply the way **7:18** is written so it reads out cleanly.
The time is **11:54**
